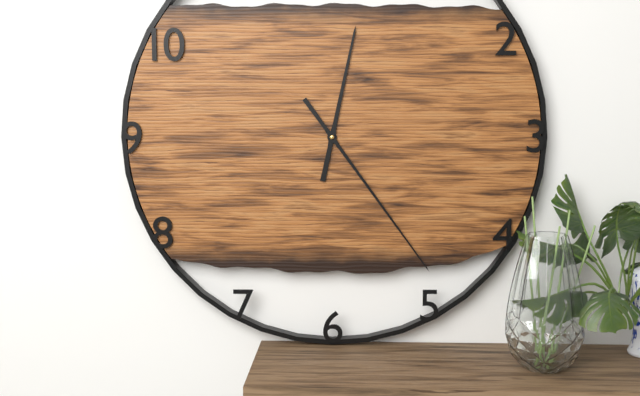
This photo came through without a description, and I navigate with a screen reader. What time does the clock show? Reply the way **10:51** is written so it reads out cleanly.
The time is **12:24**
